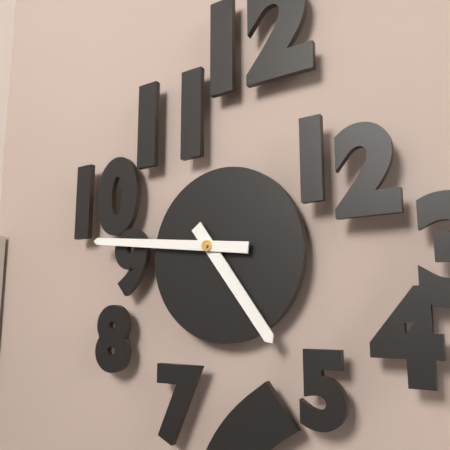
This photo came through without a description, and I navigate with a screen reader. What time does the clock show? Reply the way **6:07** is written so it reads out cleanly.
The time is **4:46**
